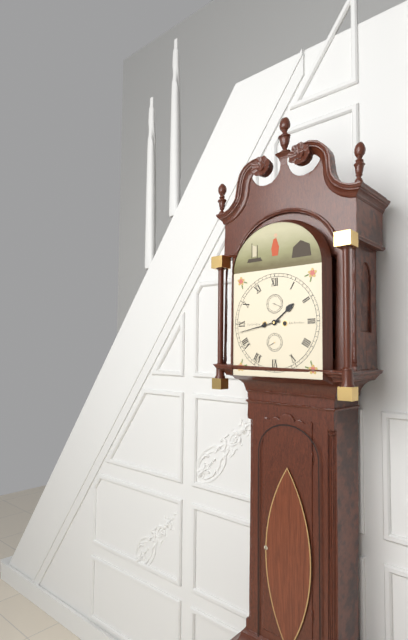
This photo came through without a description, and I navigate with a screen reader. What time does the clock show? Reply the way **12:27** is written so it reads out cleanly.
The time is **1:43**
